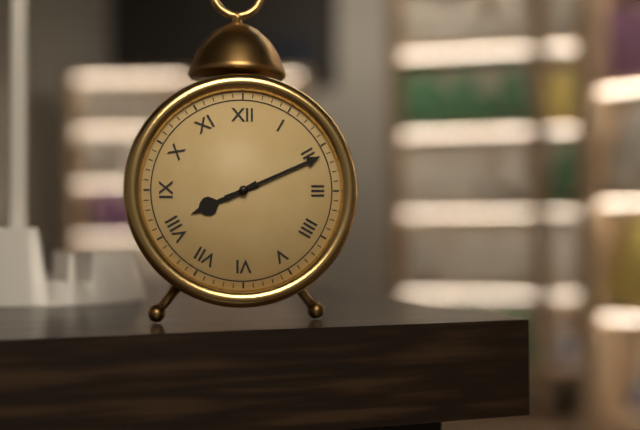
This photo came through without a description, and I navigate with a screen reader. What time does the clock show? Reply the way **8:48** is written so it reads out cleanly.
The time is **8:11**
